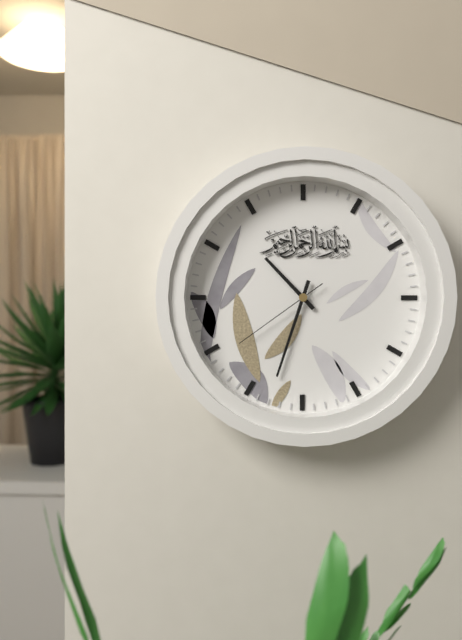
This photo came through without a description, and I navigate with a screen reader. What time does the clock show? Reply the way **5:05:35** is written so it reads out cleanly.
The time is **10:33:39**
